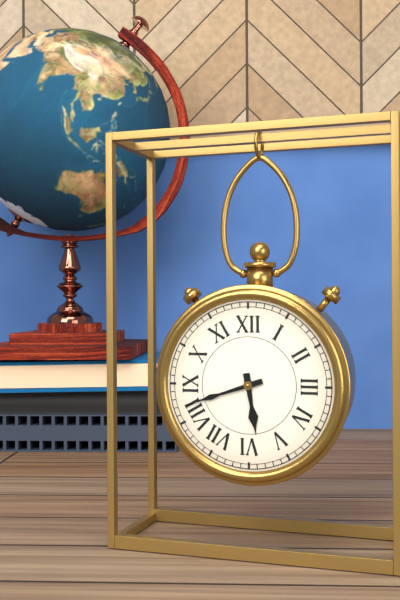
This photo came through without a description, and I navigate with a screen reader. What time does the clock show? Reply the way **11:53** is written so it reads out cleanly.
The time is **5:42**
